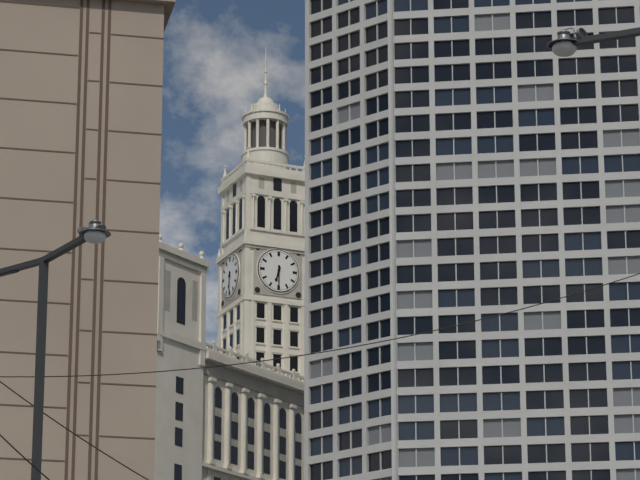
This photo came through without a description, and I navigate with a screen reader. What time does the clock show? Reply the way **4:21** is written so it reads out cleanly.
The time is **6:30**
